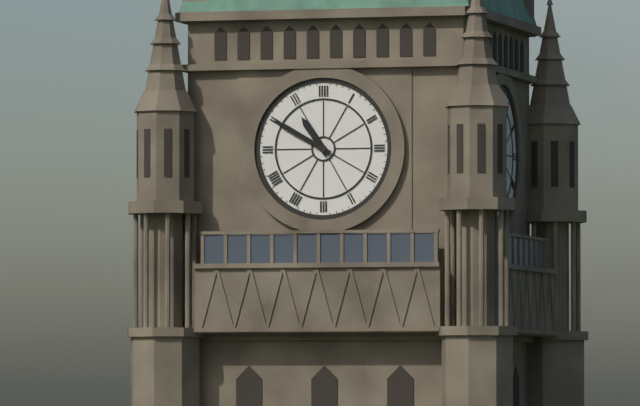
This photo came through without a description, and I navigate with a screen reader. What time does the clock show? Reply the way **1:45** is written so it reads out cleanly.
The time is **10:50**
